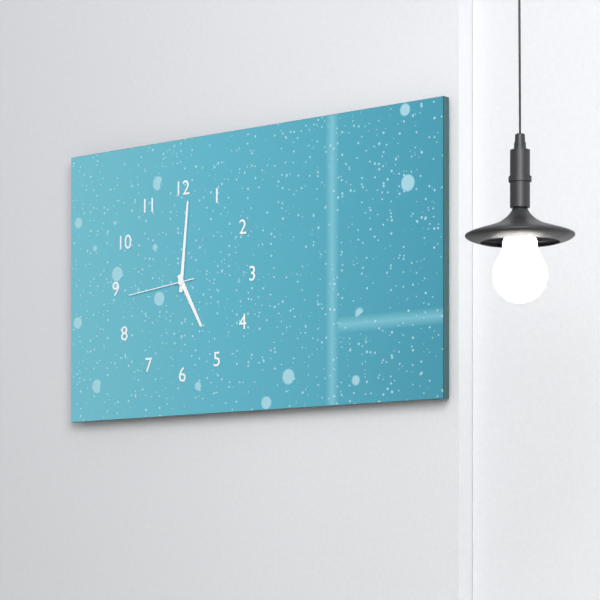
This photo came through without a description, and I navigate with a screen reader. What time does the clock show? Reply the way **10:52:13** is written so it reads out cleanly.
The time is **5:01:44**
